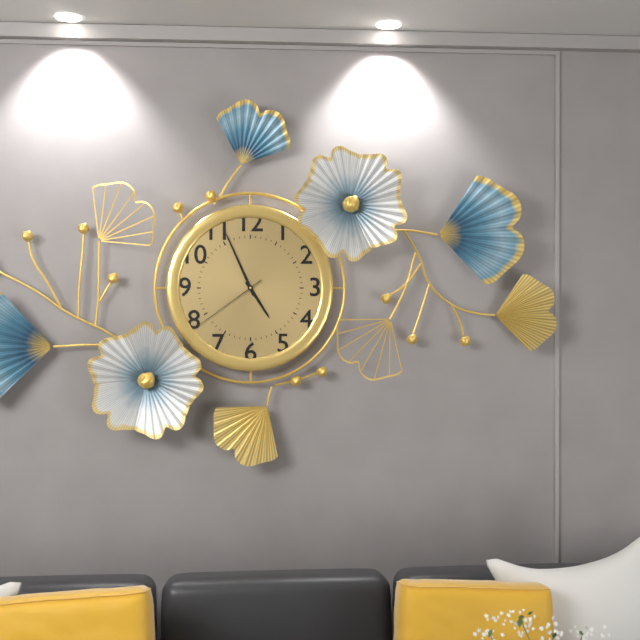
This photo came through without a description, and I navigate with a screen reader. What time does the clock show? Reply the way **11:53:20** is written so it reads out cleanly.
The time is **4:56:39**
